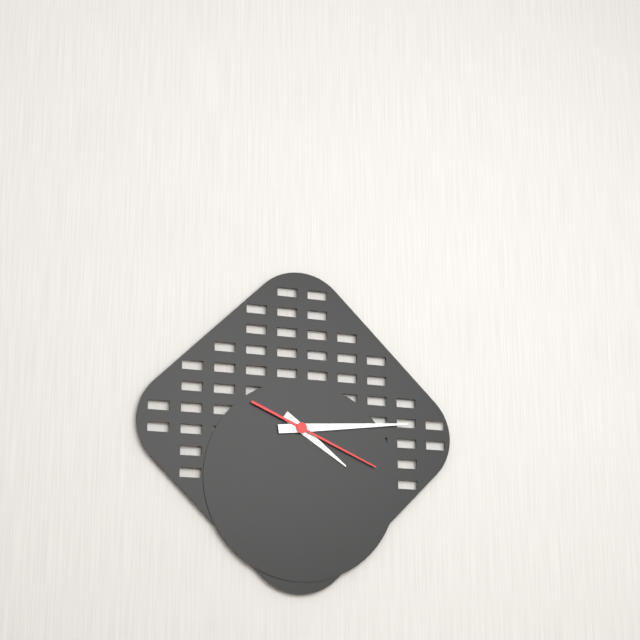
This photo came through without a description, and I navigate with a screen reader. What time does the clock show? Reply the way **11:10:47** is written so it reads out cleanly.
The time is **4:14:19**
